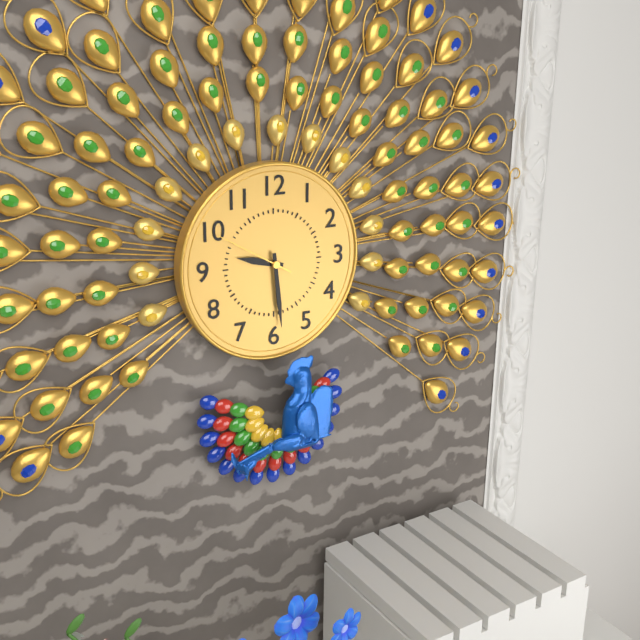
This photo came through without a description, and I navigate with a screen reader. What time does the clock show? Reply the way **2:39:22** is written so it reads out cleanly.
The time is **9:29:50**
